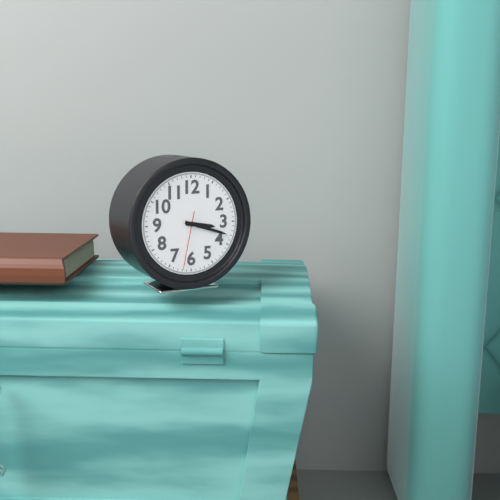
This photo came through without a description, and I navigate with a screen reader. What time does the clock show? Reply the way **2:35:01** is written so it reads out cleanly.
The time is **3:18:32**
